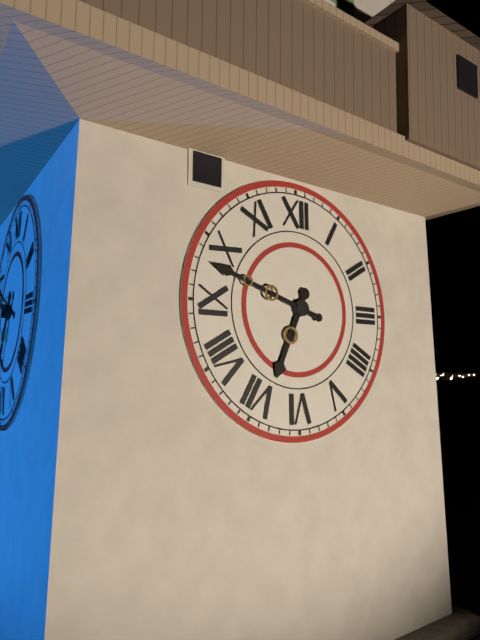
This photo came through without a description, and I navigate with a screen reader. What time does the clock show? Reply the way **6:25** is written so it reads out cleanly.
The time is **6:48**
